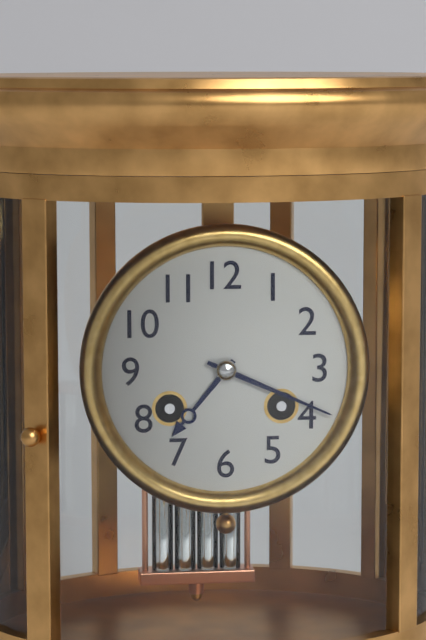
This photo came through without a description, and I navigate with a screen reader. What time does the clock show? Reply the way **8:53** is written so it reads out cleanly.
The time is **7:19**
